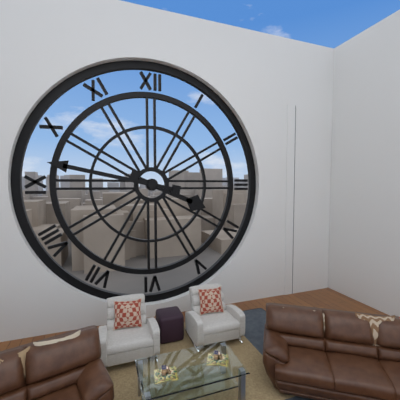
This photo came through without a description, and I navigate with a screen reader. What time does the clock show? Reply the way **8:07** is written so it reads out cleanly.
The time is **3:47**
